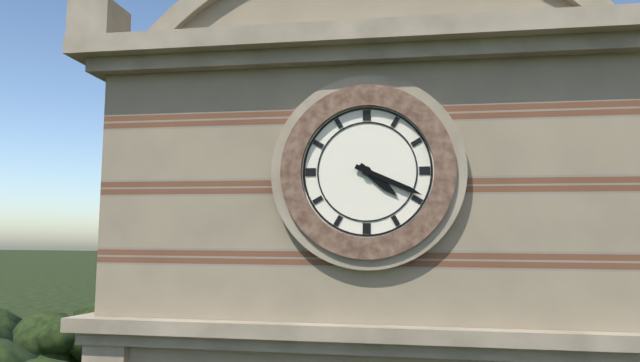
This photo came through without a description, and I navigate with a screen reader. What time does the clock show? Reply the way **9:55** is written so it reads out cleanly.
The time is **4:19**
